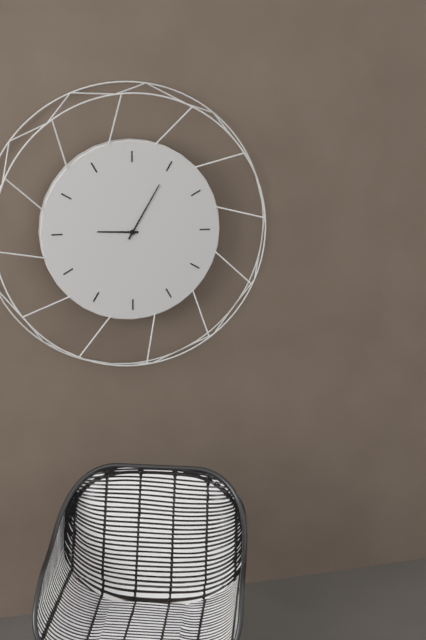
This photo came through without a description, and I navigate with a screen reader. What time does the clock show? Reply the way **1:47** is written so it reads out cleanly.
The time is **9:05**
